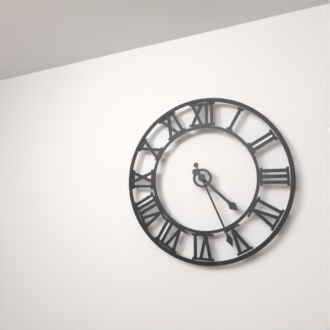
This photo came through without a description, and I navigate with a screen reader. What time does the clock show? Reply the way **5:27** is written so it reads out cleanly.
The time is **4:26**
